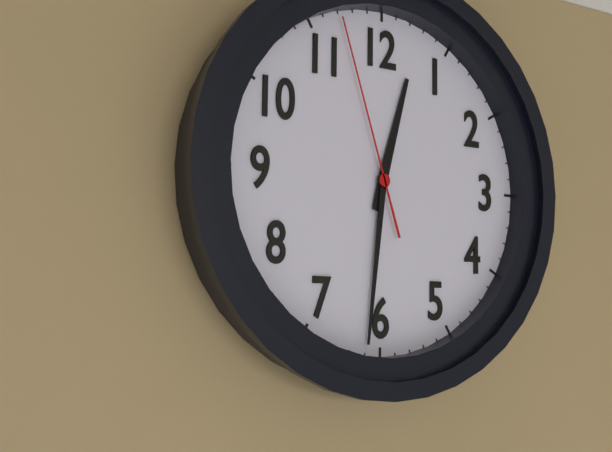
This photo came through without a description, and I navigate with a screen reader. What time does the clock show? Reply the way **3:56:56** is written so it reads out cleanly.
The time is **12:31:57**
